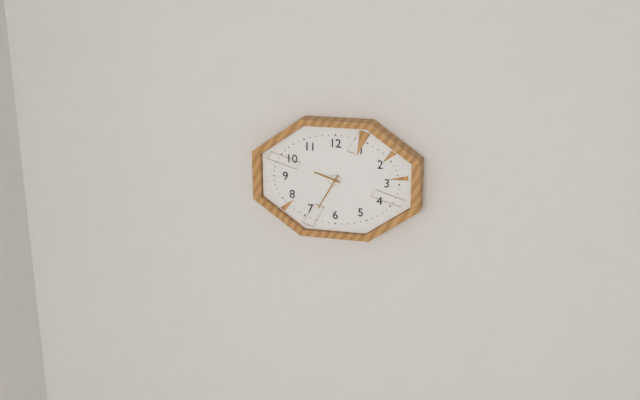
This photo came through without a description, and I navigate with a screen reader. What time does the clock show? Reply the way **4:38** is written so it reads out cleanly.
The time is **9:35**
